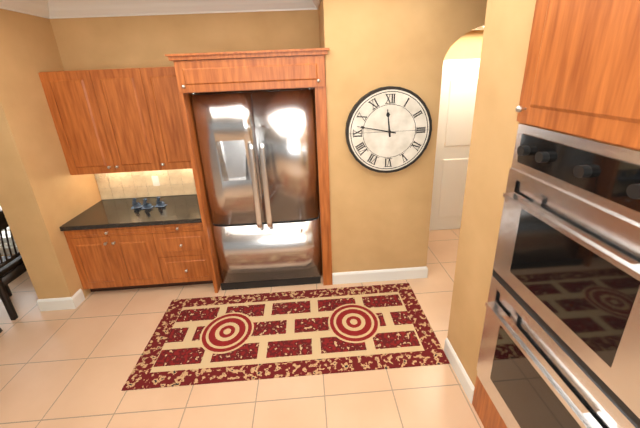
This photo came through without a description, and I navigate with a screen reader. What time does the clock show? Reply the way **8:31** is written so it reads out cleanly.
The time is **11:47**
